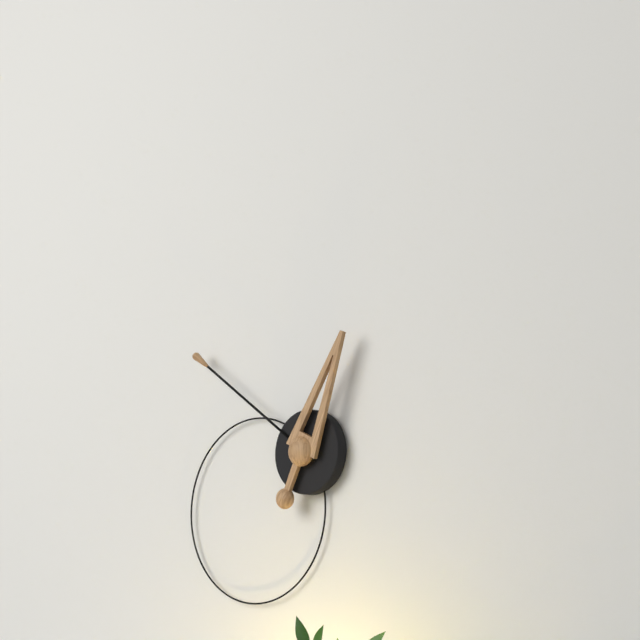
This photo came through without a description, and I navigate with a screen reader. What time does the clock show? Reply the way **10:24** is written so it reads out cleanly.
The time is **12:51**
